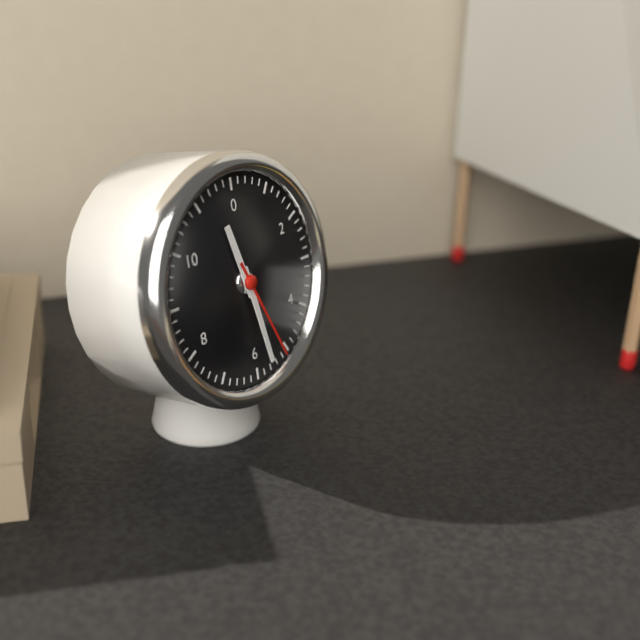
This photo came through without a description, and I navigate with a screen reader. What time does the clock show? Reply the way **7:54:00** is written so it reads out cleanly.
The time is **11:28:26**
